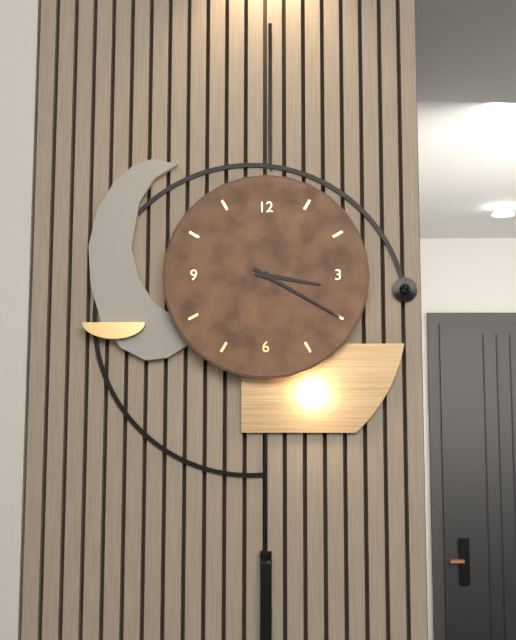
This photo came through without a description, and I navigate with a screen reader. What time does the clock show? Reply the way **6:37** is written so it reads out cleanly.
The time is **3:20**
